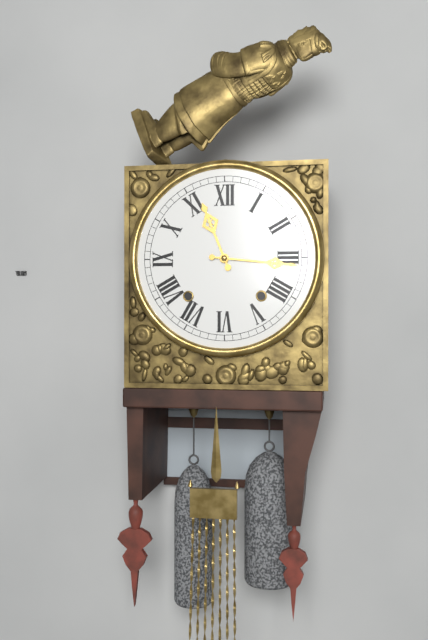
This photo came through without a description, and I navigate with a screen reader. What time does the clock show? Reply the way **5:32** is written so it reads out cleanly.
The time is **11:16**
